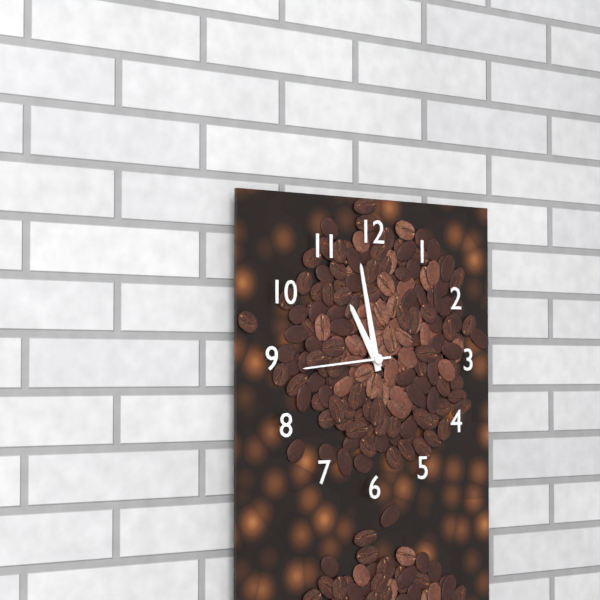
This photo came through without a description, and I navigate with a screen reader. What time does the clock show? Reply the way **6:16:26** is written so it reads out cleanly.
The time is **10:58:44**
